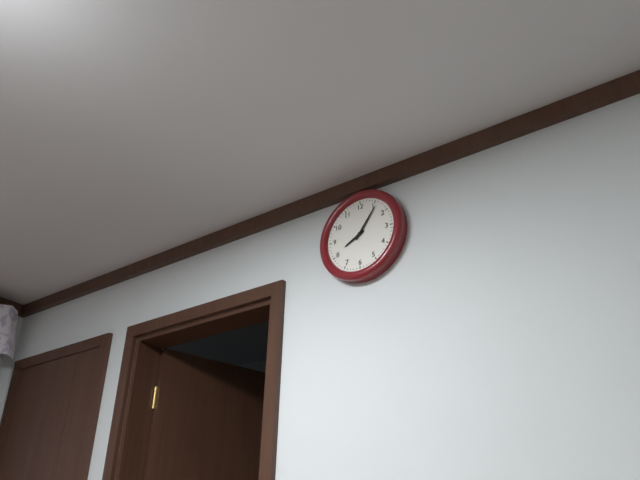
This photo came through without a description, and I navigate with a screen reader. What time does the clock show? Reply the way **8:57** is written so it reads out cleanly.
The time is **8:06**
